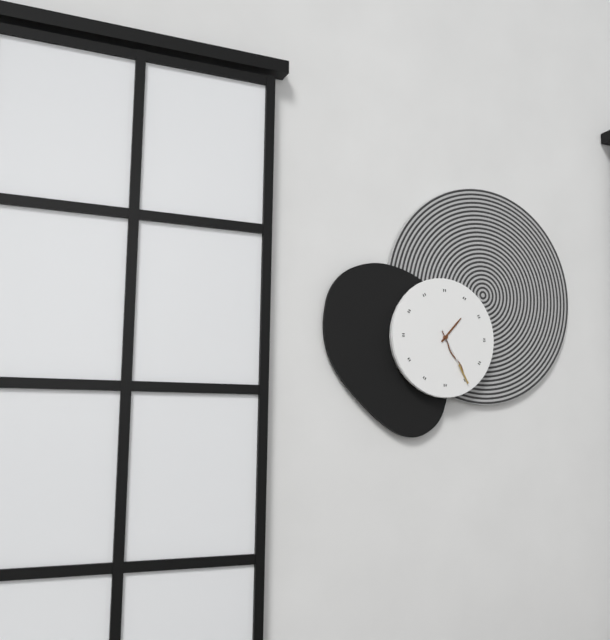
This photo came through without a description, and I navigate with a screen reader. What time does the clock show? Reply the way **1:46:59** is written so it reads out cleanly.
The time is **1:25:25**
